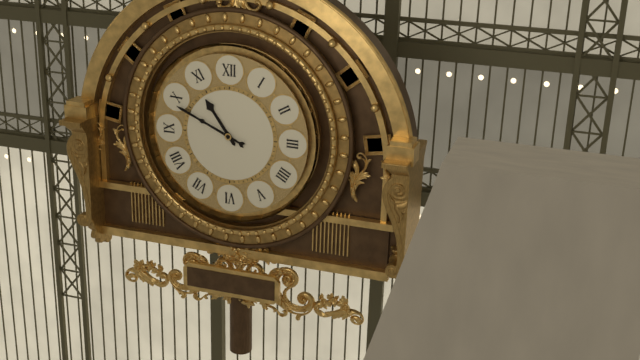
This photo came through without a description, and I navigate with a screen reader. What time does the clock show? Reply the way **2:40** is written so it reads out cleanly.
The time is **10:49**
